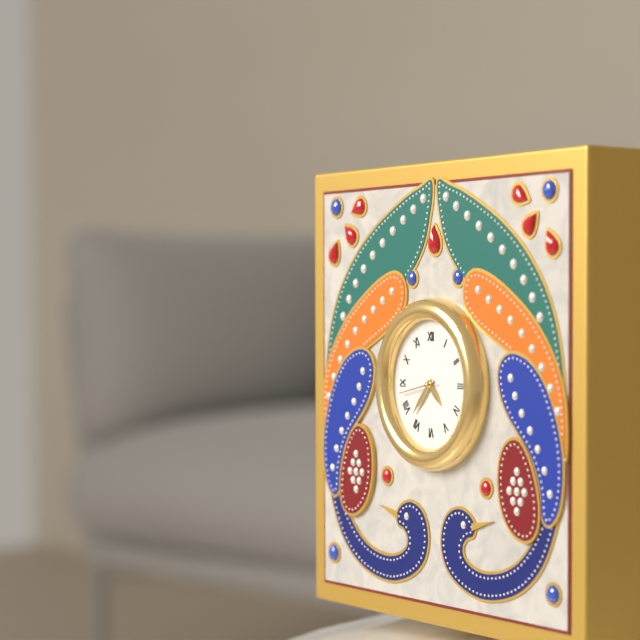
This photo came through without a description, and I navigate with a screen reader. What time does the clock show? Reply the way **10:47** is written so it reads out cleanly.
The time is **4:37**
